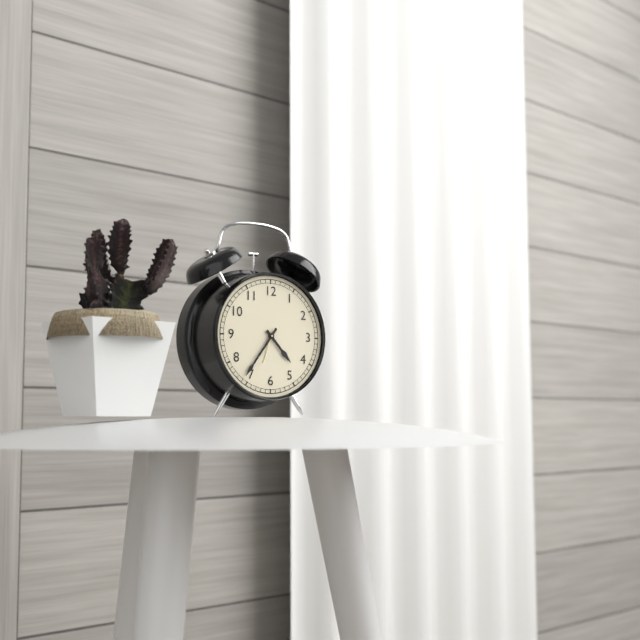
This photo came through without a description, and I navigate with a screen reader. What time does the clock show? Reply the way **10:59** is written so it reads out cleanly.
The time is **4:36**
